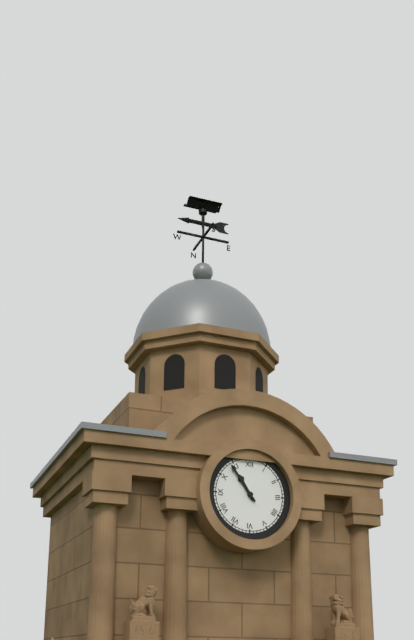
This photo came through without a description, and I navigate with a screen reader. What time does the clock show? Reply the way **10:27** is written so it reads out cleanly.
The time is **10:54**
